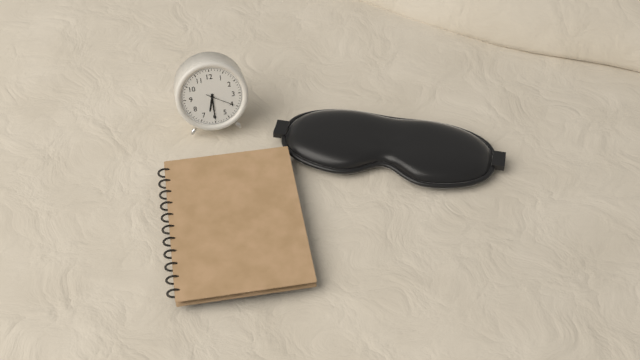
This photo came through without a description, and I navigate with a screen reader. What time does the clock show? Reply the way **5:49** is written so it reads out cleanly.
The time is **6:30**
